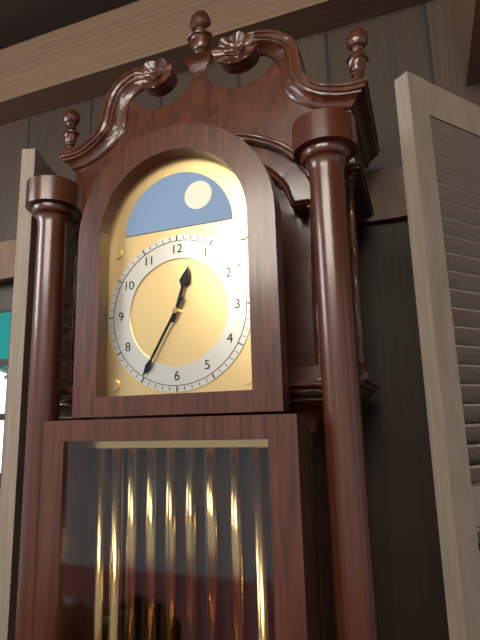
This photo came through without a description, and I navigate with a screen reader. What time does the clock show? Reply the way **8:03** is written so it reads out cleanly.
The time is **12:35**
